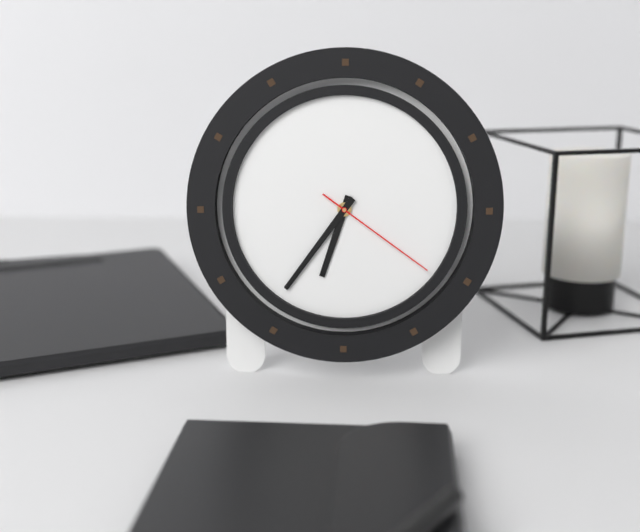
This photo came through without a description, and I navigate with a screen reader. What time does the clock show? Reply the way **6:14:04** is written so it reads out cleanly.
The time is **6:36:21**
